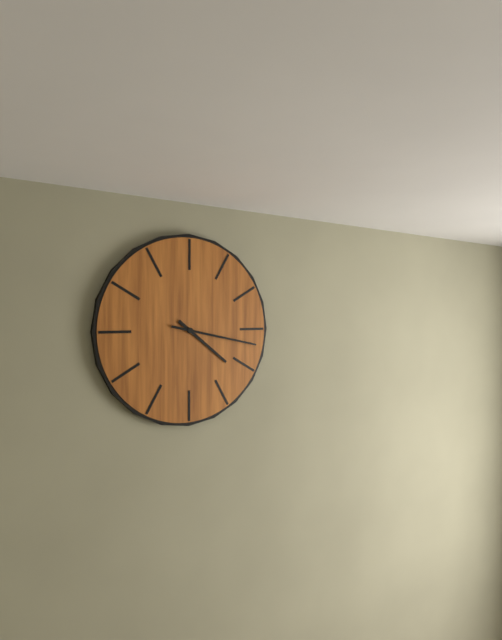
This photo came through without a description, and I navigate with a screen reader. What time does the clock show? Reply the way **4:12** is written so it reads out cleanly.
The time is **4:17**
